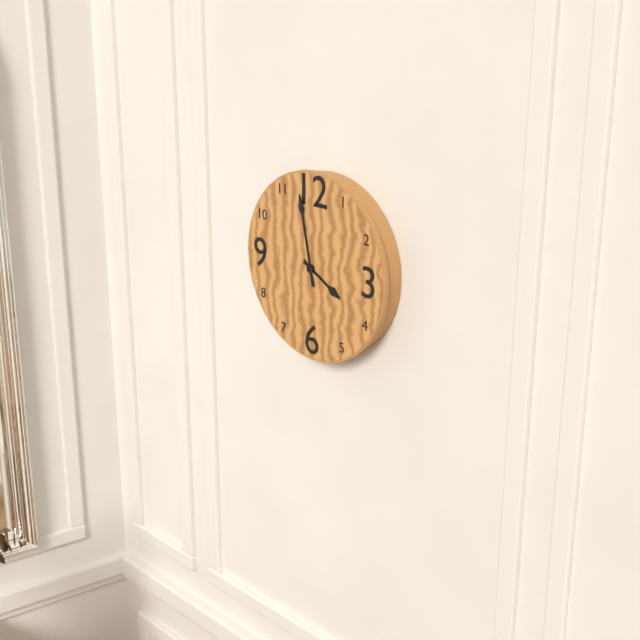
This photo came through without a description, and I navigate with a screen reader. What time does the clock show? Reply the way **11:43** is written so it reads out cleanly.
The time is **3:58**
